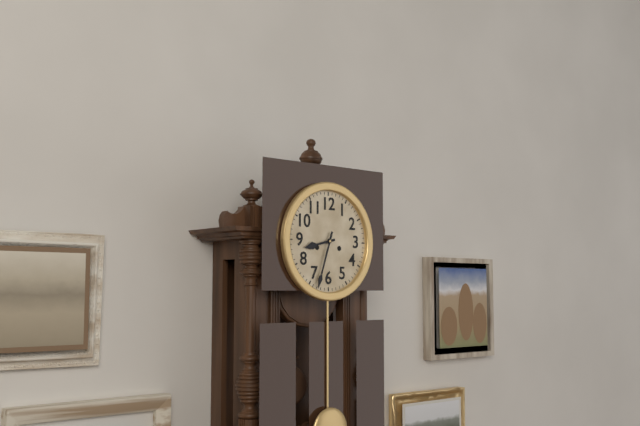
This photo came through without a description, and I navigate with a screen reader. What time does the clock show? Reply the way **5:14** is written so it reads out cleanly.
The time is **8:33**
